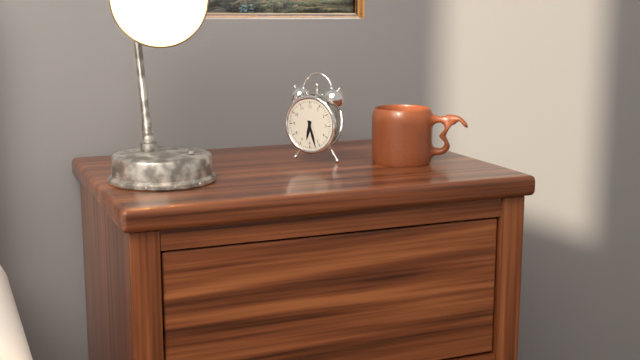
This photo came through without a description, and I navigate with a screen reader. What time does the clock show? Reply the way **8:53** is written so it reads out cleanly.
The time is **6:27**
